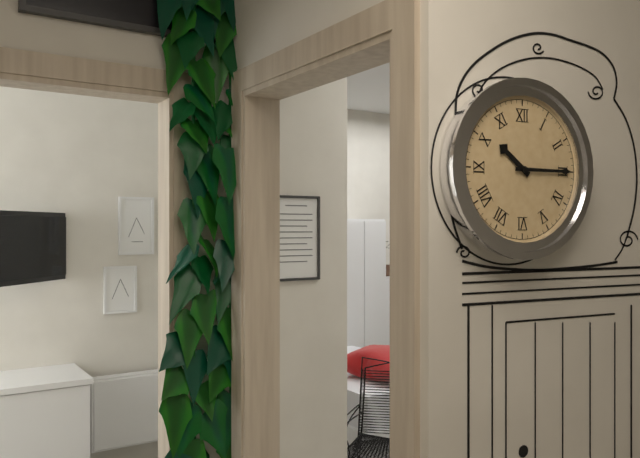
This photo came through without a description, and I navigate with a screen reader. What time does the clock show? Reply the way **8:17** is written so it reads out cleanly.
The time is **10:15**
